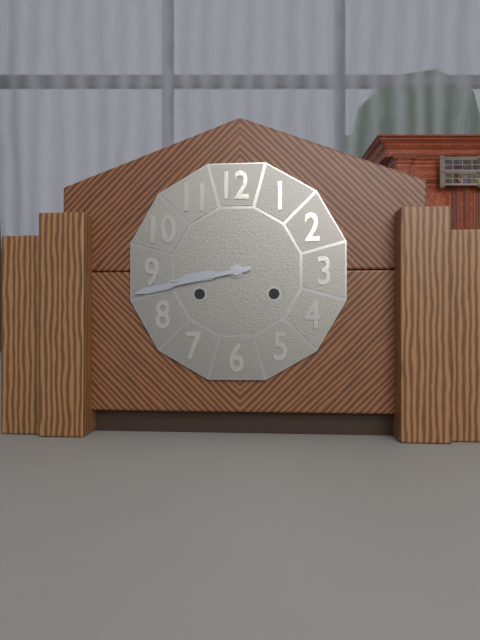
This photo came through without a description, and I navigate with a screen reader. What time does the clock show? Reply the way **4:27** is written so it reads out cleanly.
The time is **8:43**
